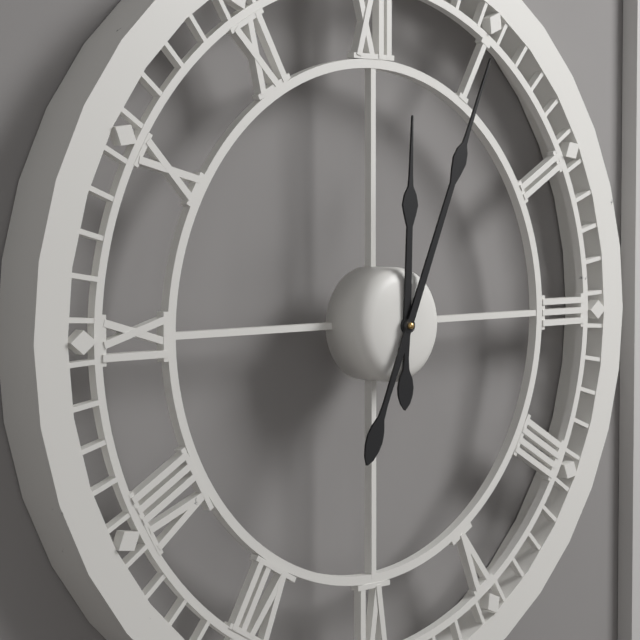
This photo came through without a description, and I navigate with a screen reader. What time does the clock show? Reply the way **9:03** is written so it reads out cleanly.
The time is **12:04**
